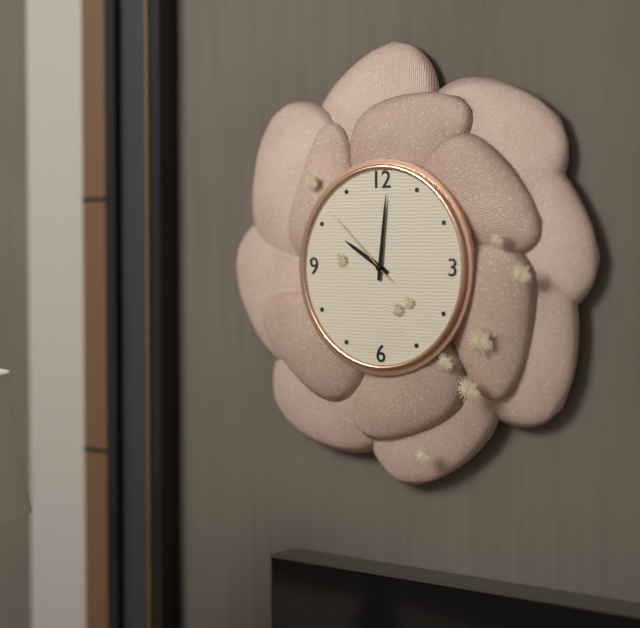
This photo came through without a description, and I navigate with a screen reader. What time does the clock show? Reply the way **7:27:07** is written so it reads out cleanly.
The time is **10:01:52**
